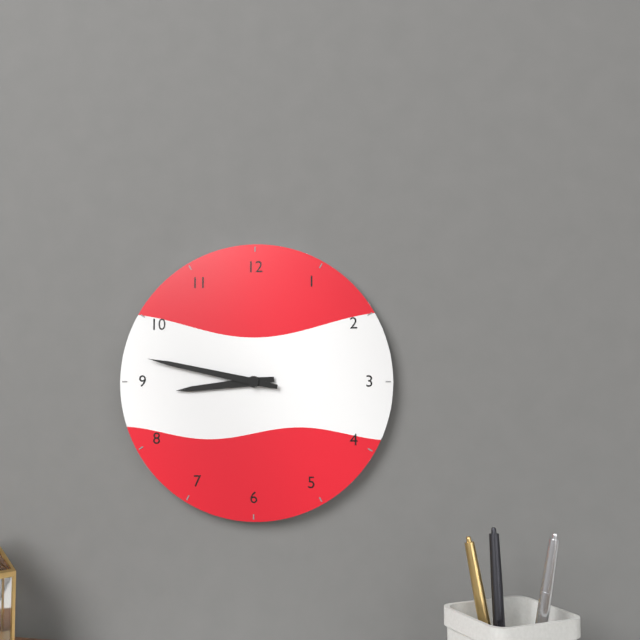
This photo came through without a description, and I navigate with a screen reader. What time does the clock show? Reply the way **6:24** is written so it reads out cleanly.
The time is **8:47**
